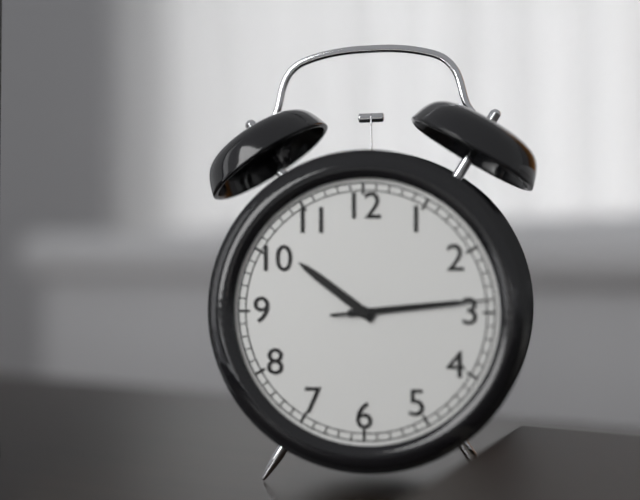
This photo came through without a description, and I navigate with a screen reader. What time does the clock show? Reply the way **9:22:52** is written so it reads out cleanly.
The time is **10:14:14**
